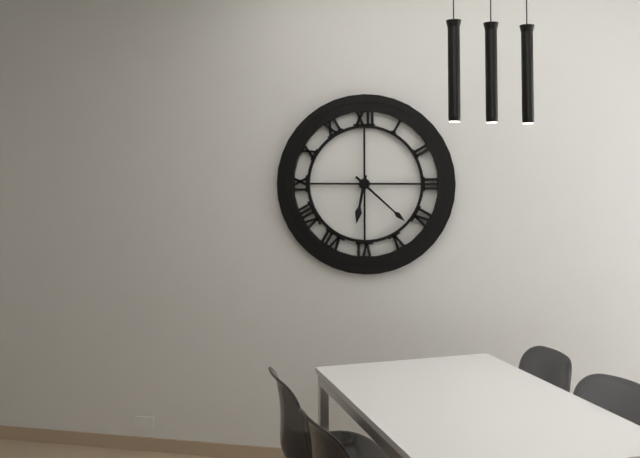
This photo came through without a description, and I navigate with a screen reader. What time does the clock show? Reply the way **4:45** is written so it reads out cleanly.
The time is **6:22**
